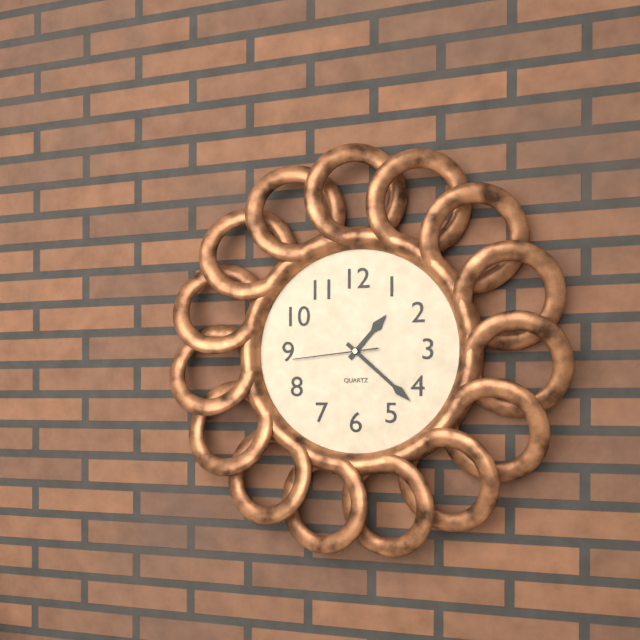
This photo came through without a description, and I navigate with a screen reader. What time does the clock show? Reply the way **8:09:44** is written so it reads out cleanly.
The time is **1:22:44**
